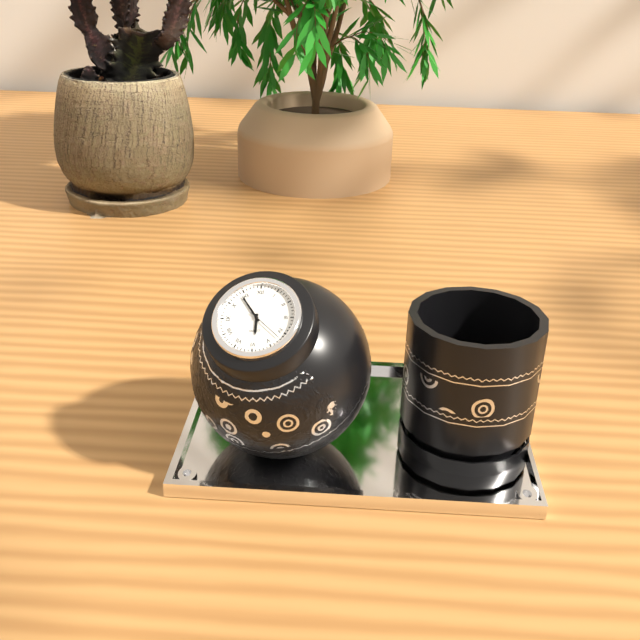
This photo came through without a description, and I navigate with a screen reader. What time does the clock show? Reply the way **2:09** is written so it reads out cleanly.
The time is **5:54**
